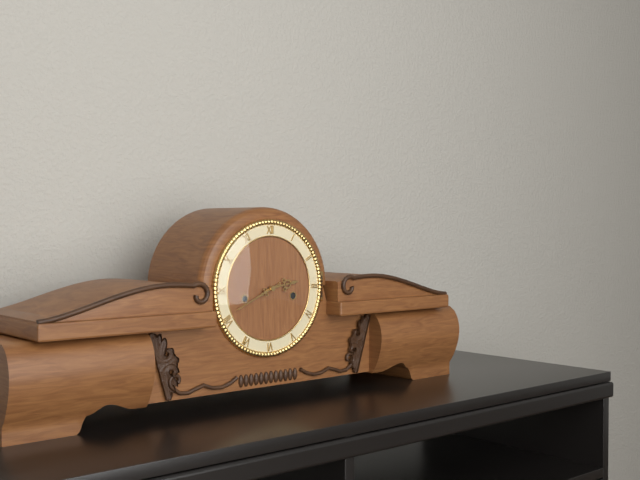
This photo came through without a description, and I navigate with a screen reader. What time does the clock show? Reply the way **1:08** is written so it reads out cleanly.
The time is **2:41**
